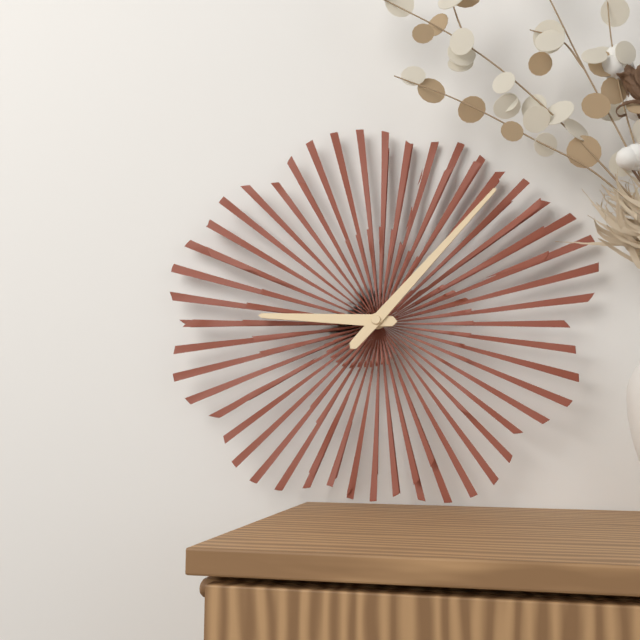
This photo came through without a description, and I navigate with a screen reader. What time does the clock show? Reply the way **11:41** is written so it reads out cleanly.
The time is **9:07**
